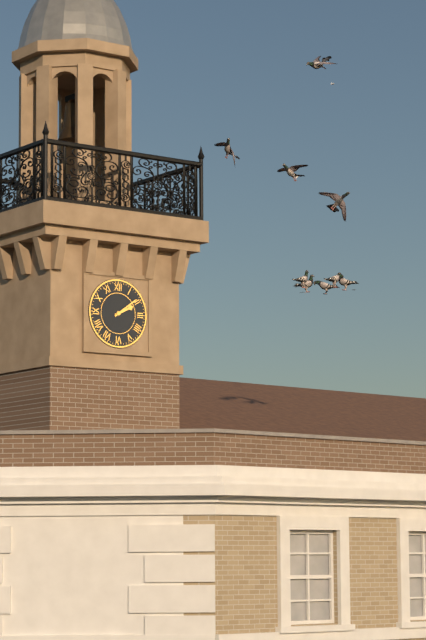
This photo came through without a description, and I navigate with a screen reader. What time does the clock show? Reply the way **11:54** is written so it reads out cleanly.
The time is **2:09**
